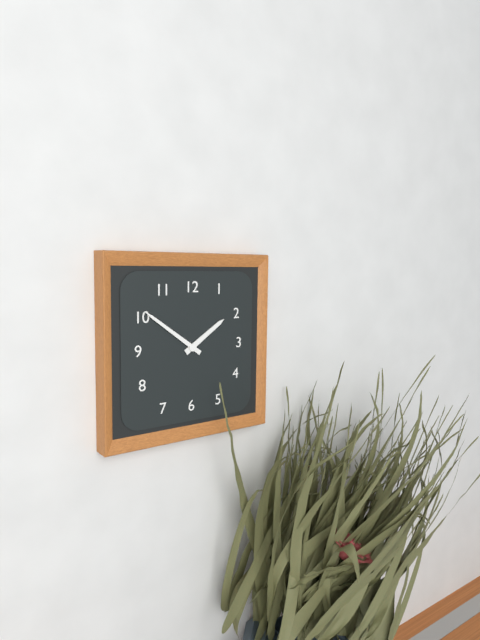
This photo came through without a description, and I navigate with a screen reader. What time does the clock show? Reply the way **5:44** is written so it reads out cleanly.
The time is **1:51**
